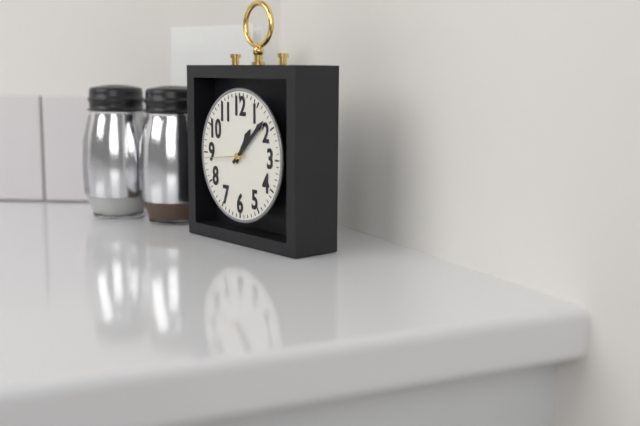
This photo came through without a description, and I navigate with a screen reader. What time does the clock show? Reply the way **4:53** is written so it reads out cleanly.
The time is **1:08**
